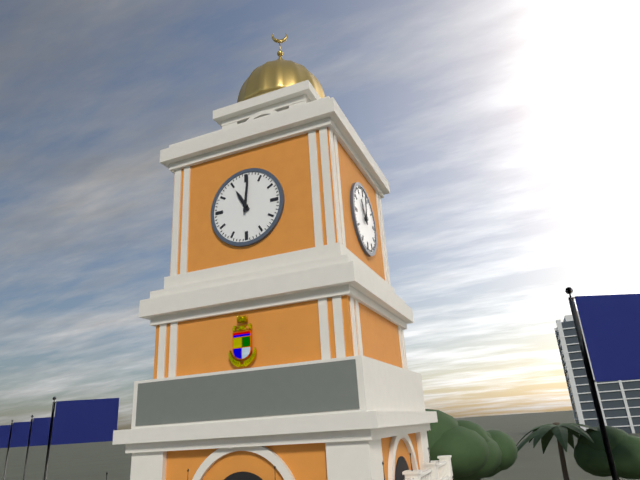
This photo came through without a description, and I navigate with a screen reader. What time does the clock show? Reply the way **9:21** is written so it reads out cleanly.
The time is **11:01**
